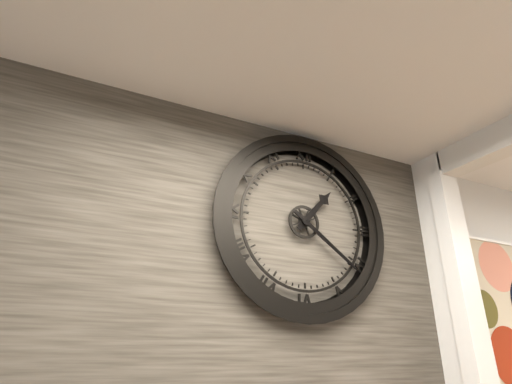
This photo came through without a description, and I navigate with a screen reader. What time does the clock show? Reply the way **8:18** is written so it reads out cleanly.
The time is **1:21**
